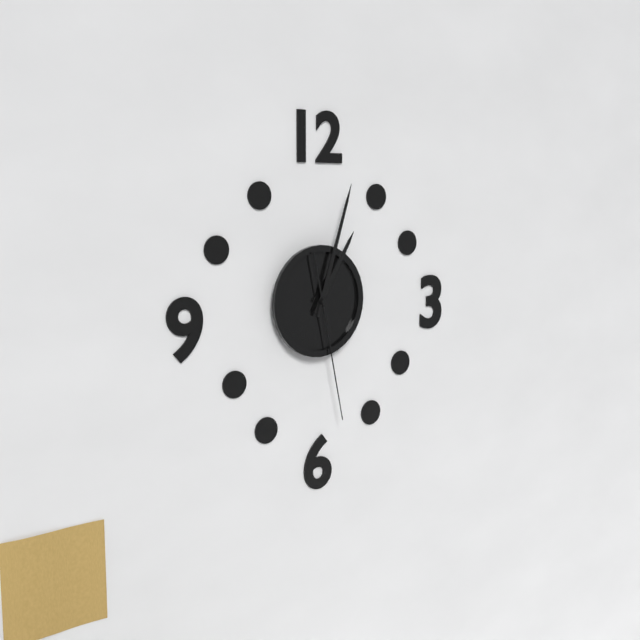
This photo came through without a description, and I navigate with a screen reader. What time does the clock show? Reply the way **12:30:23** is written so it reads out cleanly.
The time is **1:03:28**
